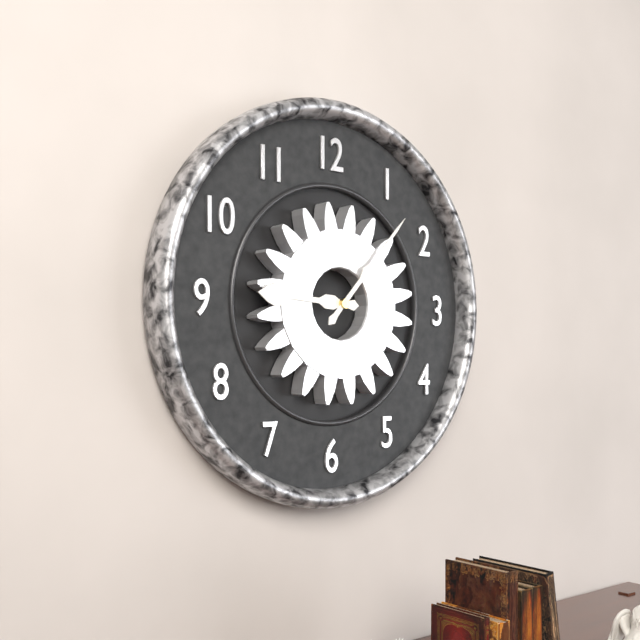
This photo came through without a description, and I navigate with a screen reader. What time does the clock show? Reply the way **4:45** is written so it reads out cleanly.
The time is **9:07**
